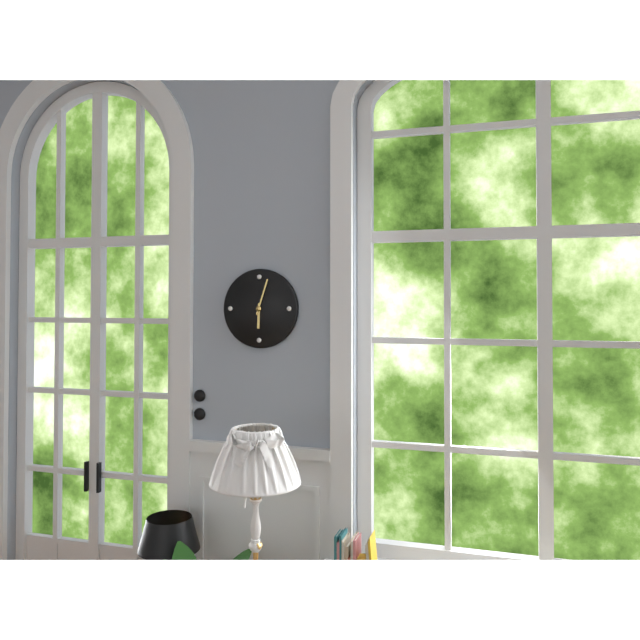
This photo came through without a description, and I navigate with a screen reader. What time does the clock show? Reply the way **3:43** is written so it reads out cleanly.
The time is **6:03**
